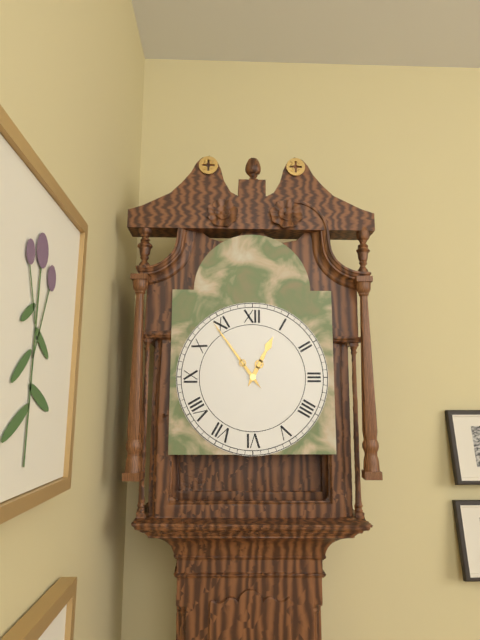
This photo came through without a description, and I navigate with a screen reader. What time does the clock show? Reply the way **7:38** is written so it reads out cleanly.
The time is **12:54**
